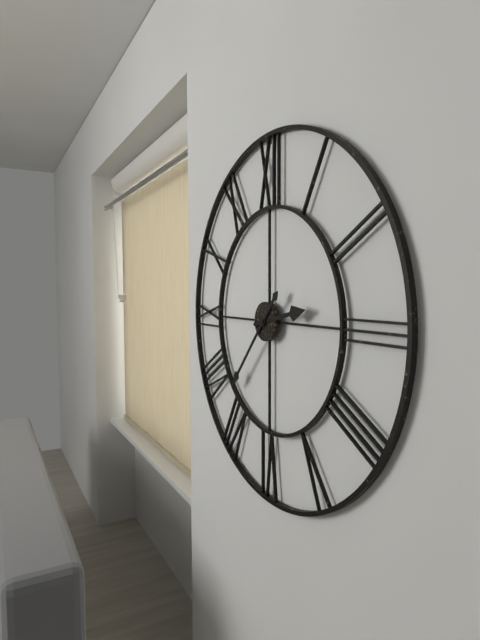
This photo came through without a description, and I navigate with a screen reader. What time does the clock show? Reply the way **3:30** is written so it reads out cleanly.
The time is **2:37**
